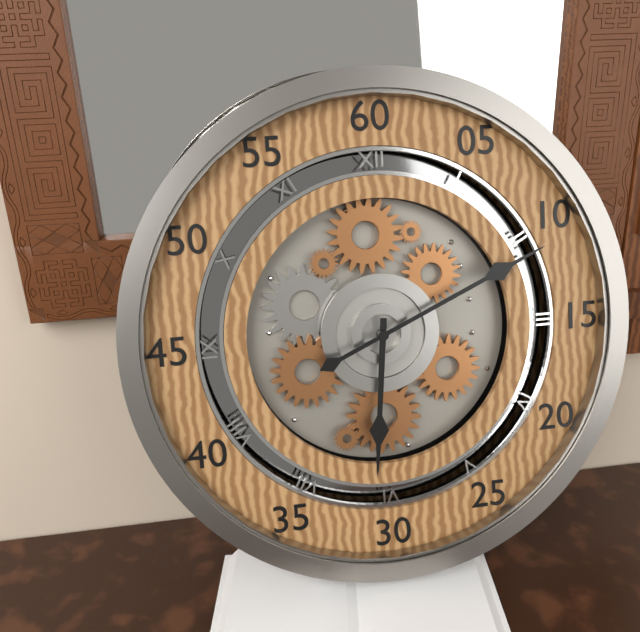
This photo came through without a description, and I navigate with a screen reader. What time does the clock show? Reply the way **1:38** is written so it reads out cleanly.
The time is **6:11**
